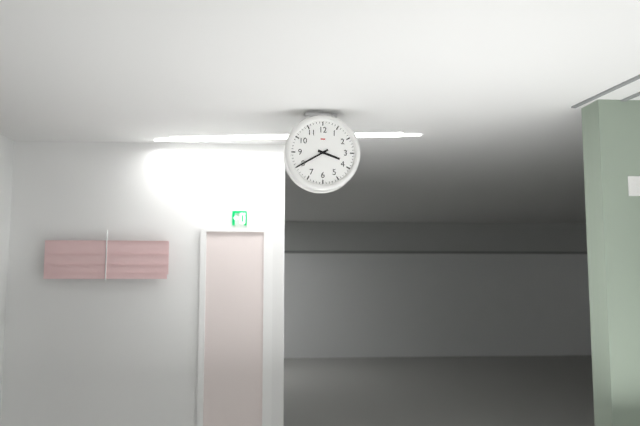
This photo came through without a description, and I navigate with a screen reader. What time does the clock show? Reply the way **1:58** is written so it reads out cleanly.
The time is **3:40**
